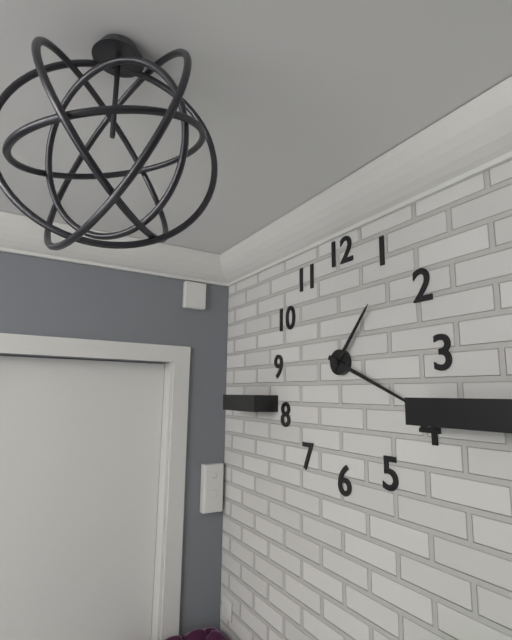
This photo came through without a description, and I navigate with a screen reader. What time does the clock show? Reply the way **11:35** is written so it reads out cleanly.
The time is **1:19**
